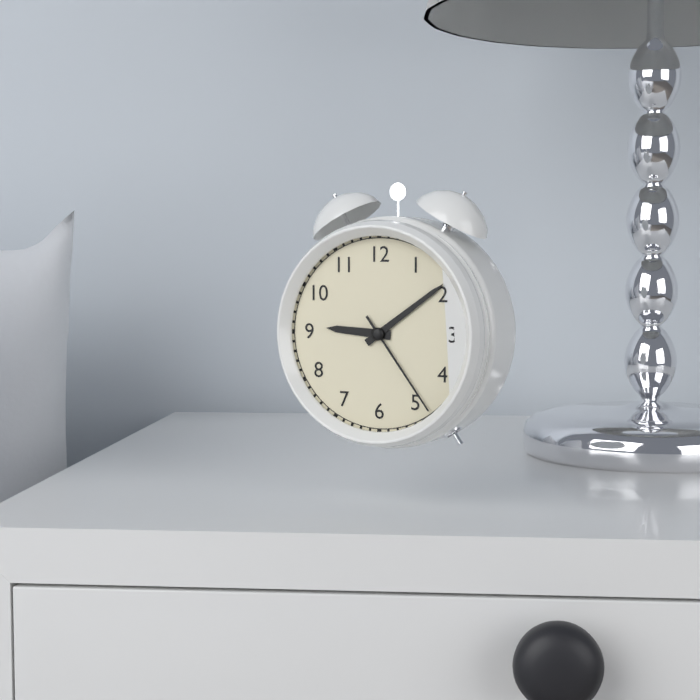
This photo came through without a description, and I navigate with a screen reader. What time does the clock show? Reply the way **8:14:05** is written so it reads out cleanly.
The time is **9:09:24**
